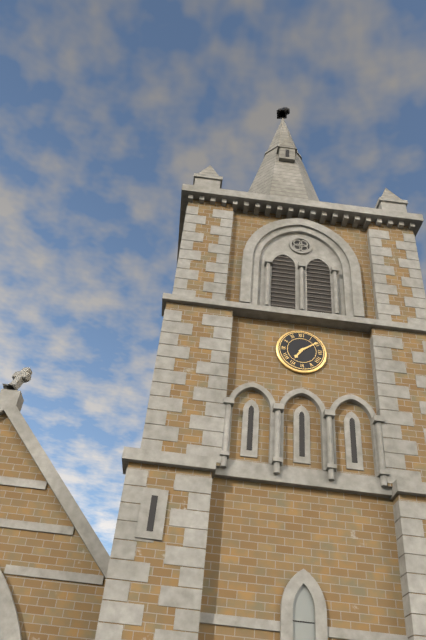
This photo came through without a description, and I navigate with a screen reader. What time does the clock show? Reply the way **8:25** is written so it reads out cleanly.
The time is **7:09**
